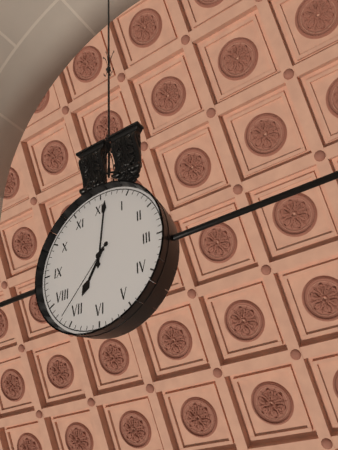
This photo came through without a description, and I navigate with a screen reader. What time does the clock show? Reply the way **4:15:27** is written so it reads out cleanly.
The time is **7:01:37**
